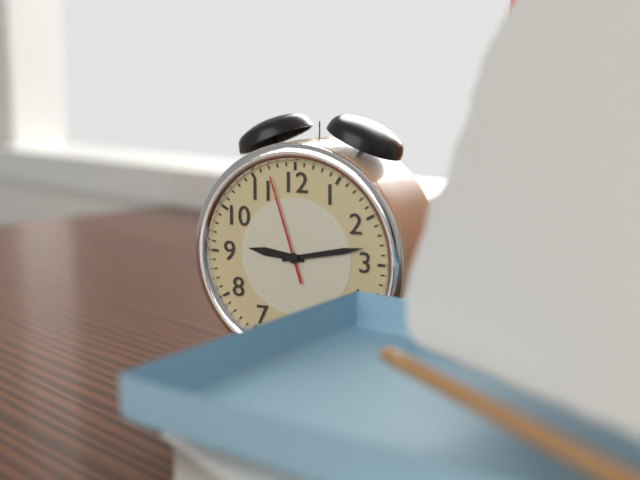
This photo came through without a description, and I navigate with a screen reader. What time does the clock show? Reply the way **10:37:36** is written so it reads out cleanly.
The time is **9:13:57**
